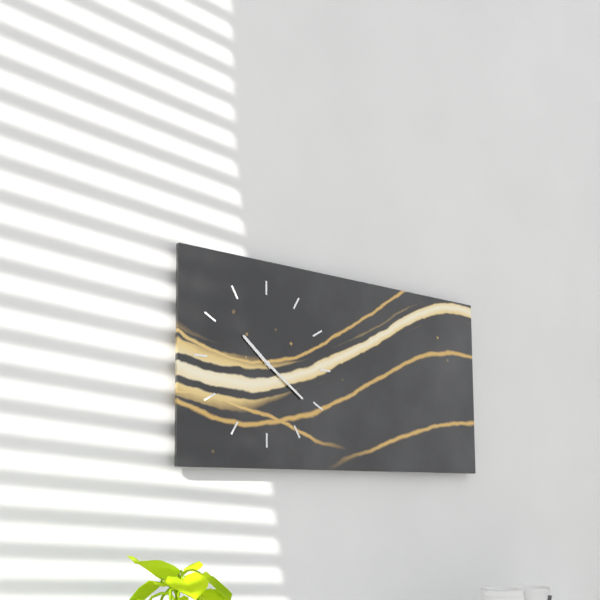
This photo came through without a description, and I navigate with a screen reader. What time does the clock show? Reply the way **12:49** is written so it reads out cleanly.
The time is **10:21**
